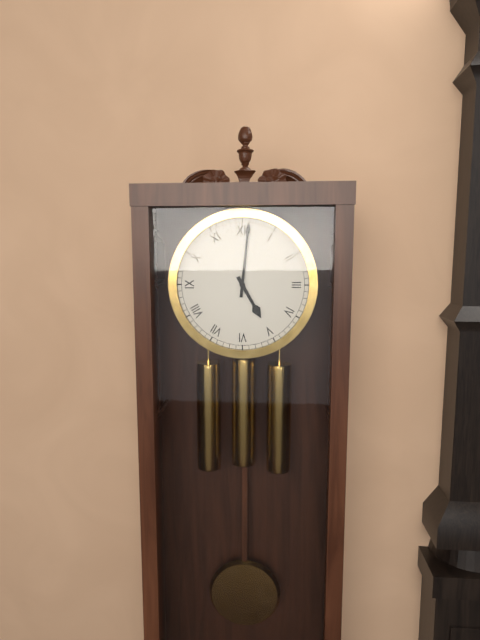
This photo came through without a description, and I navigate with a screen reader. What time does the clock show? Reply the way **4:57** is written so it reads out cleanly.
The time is **5:01**
